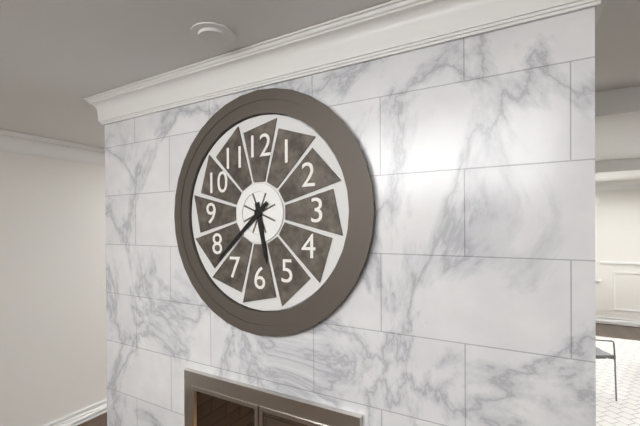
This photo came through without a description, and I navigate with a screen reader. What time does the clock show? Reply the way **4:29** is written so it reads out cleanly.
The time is **5:38**
